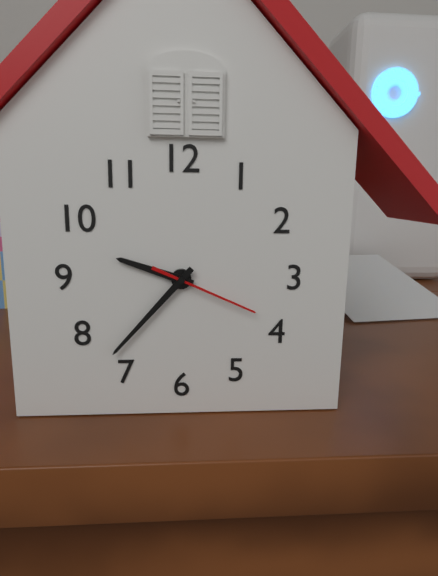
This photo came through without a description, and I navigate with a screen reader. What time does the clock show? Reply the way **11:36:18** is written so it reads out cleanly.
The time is **9:37:19**
